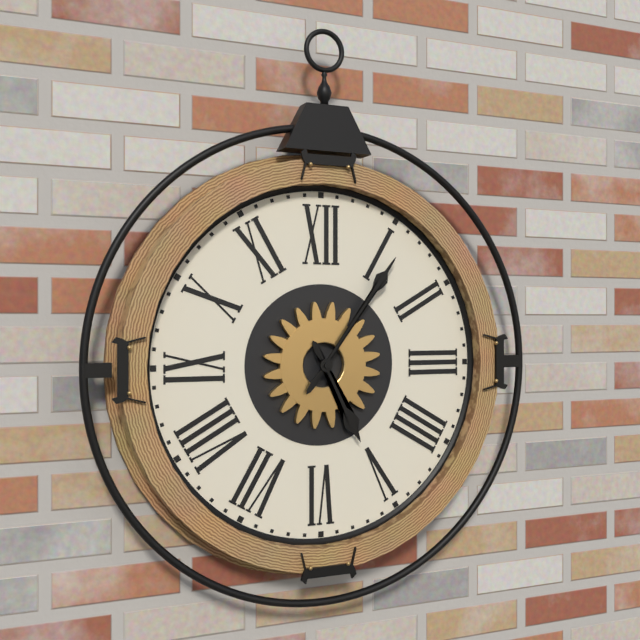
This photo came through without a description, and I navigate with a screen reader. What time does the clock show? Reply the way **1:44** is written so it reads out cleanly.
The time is **5:06**
